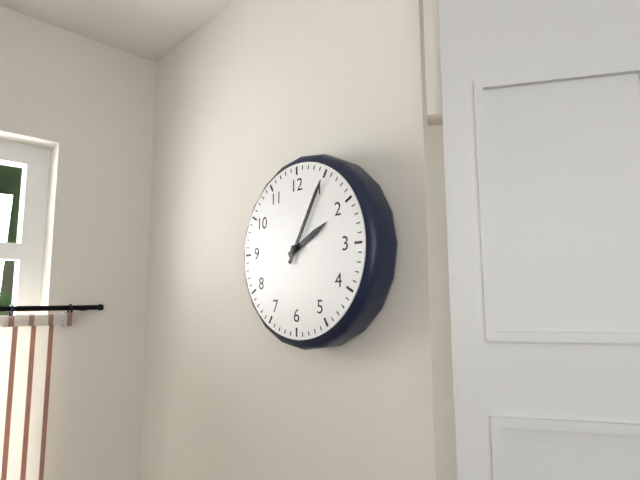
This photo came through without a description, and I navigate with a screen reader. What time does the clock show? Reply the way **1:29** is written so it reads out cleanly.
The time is **2:05**
